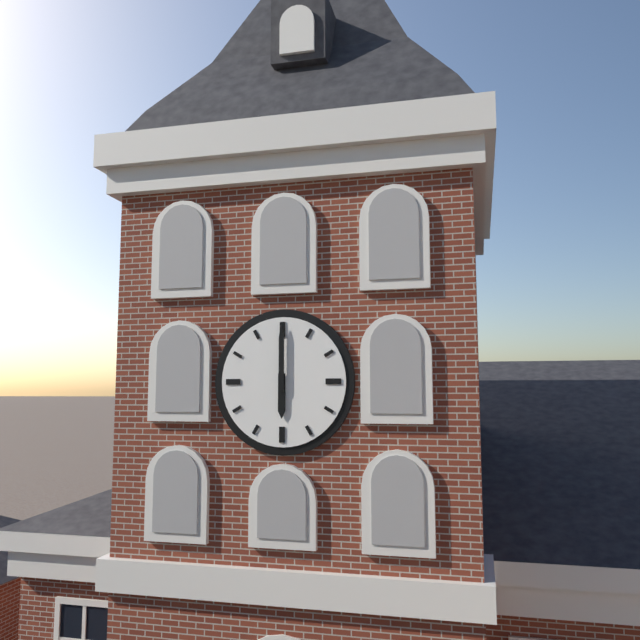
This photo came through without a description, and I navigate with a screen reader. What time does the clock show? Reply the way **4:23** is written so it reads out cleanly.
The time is **6:00**
